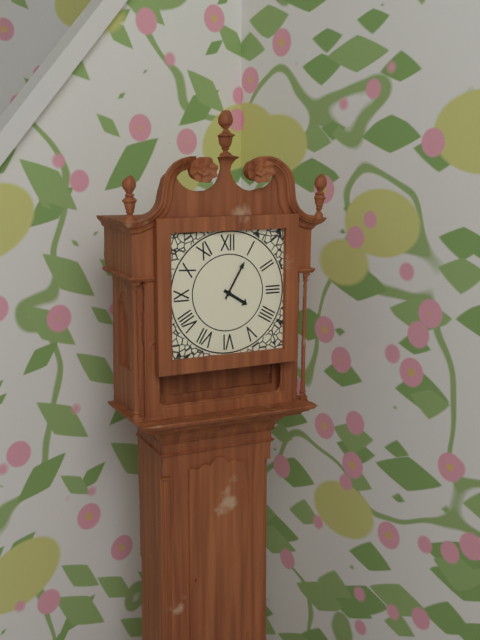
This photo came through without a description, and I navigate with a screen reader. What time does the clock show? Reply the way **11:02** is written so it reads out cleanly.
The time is **4:05**
